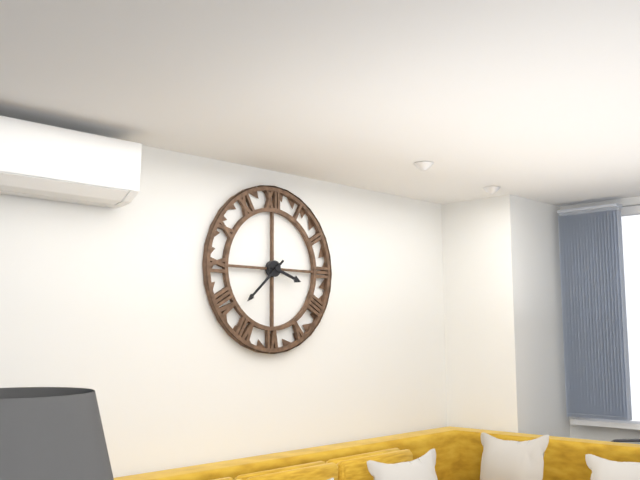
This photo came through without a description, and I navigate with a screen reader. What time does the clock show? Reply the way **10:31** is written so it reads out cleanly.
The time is **3:38**
